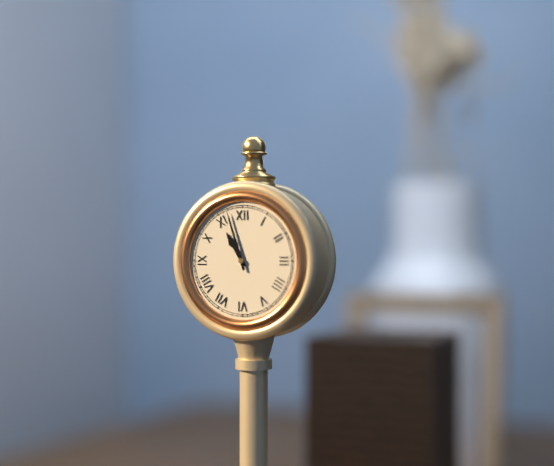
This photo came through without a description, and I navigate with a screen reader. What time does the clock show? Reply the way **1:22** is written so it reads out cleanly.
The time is **10:57**
